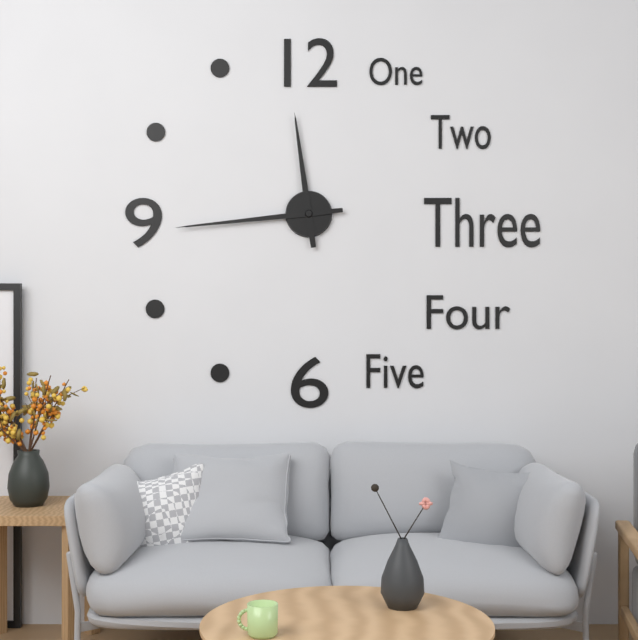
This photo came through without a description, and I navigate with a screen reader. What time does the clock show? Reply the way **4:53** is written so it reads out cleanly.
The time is **11:44**
